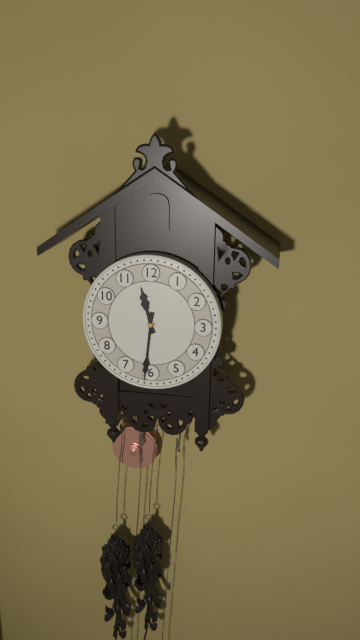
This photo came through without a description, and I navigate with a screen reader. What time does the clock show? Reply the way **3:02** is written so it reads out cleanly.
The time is **11:31**
